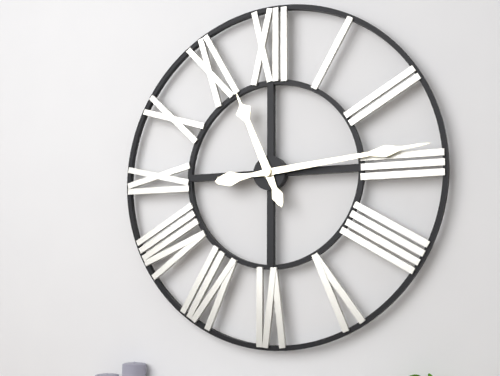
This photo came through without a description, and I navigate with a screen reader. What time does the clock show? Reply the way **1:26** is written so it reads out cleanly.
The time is **11:14**
